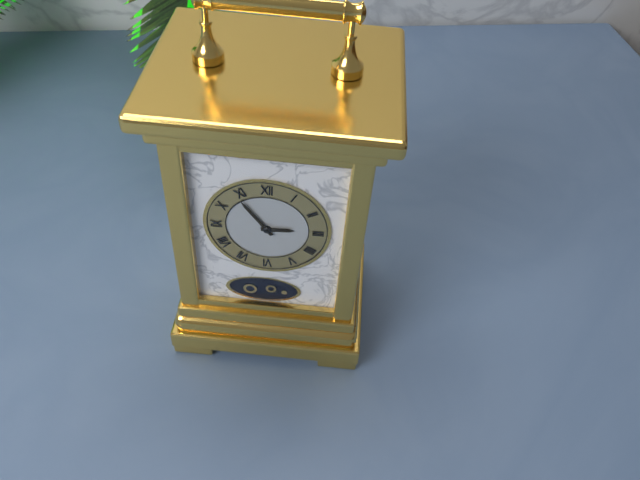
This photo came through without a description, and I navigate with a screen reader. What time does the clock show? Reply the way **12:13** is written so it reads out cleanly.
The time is **2:54**
